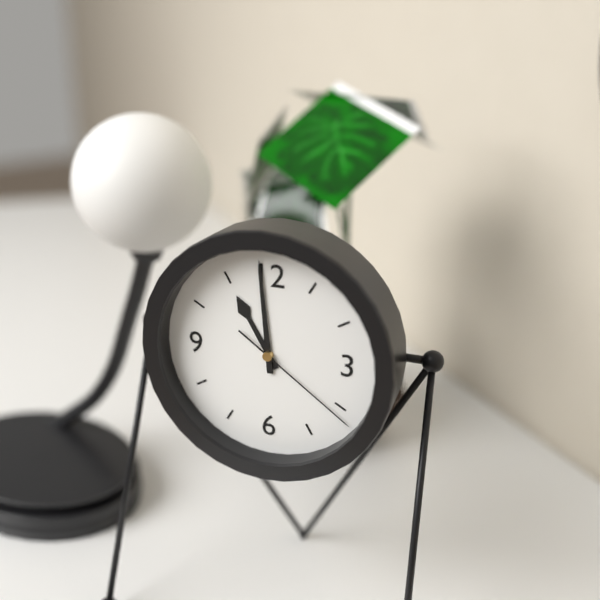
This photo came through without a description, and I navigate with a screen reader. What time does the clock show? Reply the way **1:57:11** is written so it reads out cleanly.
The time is **10:59:21**
